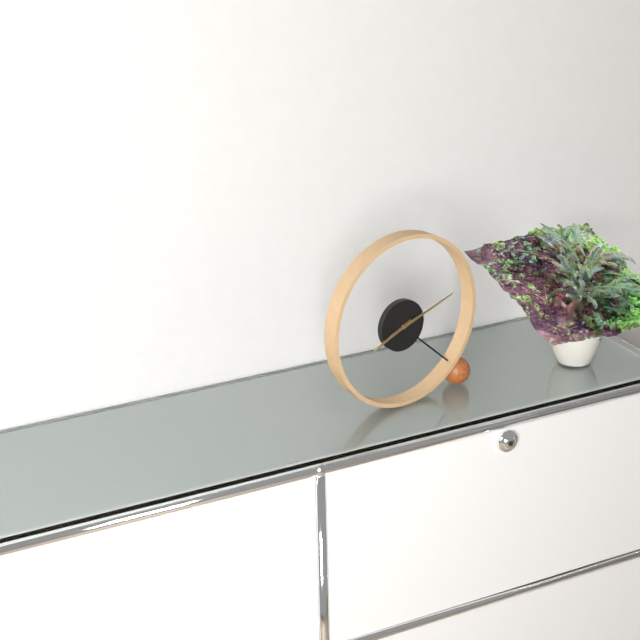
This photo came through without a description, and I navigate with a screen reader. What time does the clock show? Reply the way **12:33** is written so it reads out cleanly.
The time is **8:12**
